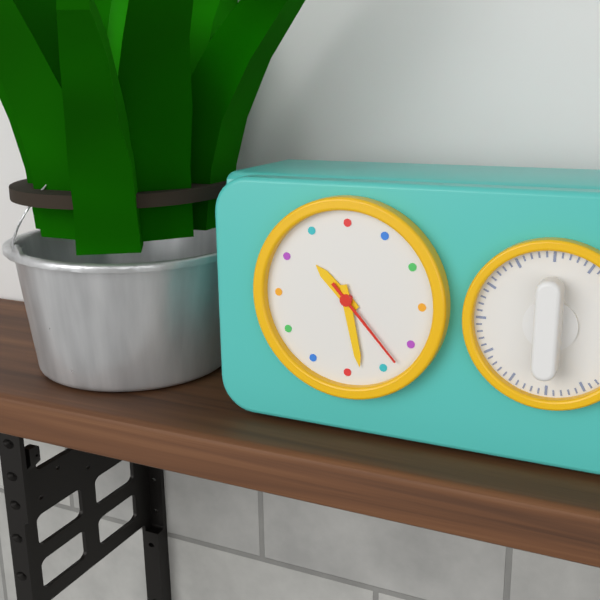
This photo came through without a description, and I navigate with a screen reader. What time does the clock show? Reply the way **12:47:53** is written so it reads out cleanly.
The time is **10:28:23**
